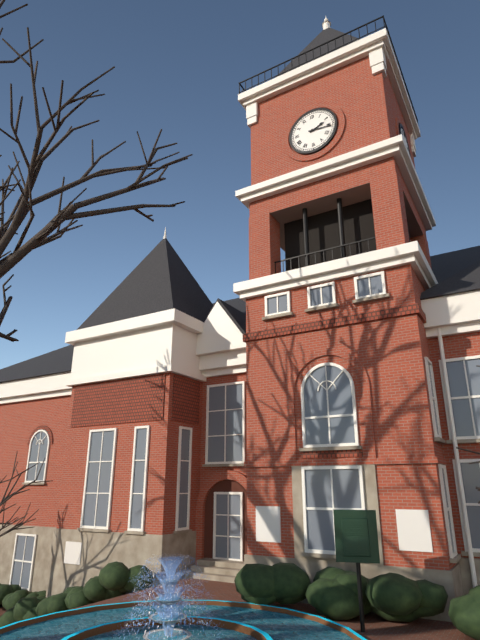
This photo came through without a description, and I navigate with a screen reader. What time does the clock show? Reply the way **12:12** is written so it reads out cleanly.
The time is **2:16**
